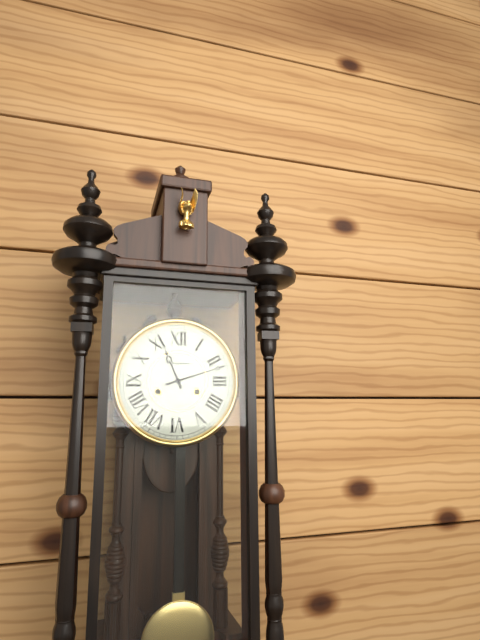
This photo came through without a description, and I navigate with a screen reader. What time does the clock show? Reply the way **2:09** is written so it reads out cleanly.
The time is **11:12**
